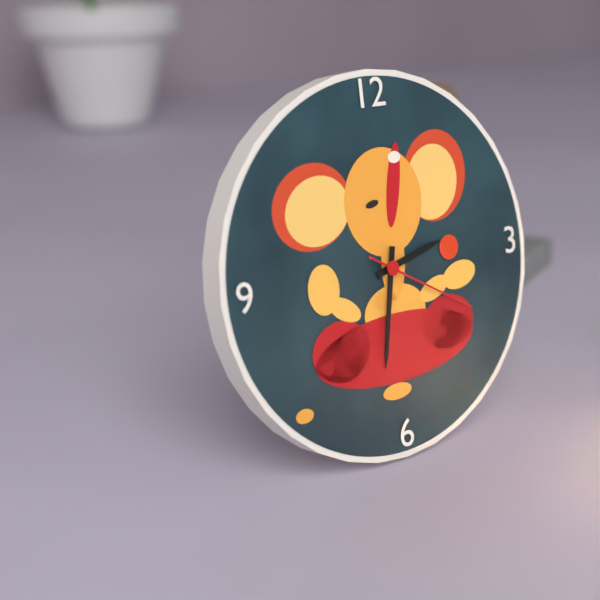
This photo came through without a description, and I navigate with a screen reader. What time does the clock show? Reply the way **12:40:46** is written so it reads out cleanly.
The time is **2:32:20**
